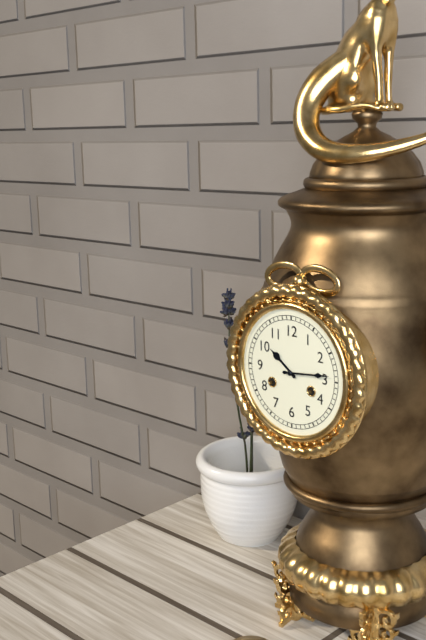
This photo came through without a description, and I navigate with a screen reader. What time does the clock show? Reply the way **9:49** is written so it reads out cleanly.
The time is **10:14**
